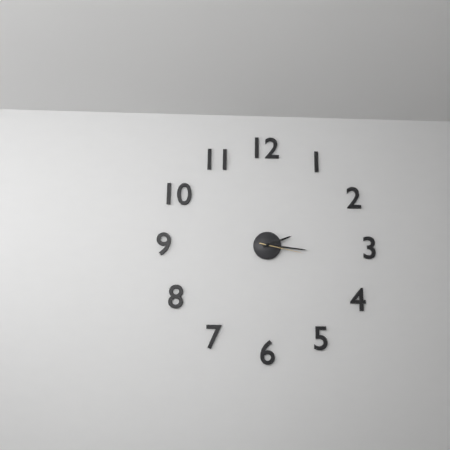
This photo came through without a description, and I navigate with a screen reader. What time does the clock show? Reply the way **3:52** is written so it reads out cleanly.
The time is **2:16**
